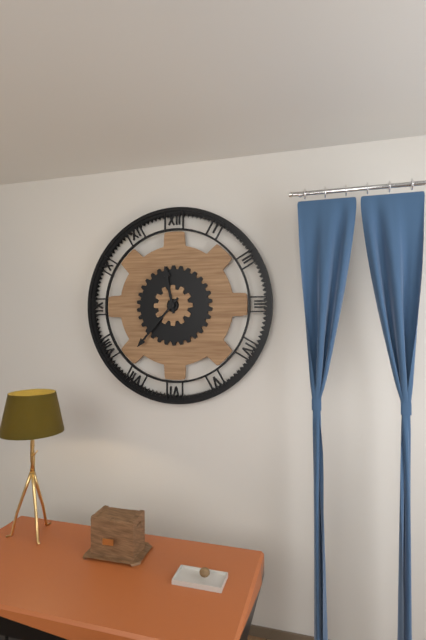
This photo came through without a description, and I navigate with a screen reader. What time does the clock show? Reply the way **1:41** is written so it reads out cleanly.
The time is **11:37**
